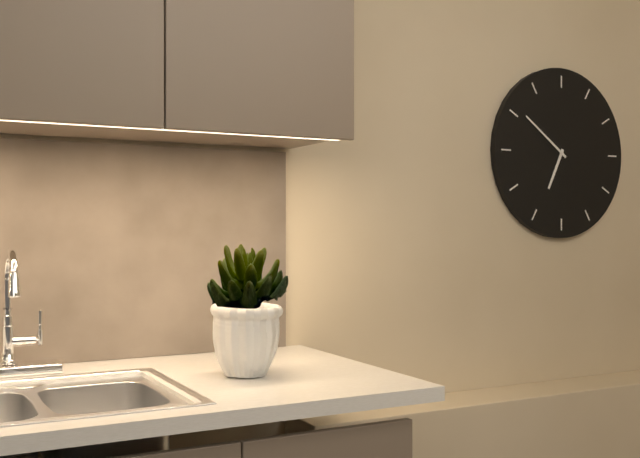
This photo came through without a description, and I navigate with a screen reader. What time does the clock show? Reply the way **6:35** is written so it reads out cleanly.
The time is **6:51**
